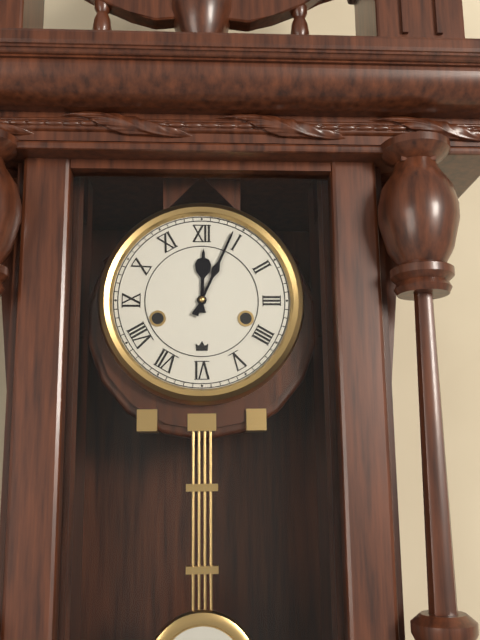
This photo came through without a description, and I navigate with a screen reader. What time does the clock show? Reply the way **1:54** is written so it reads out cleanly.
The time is **12:04**
